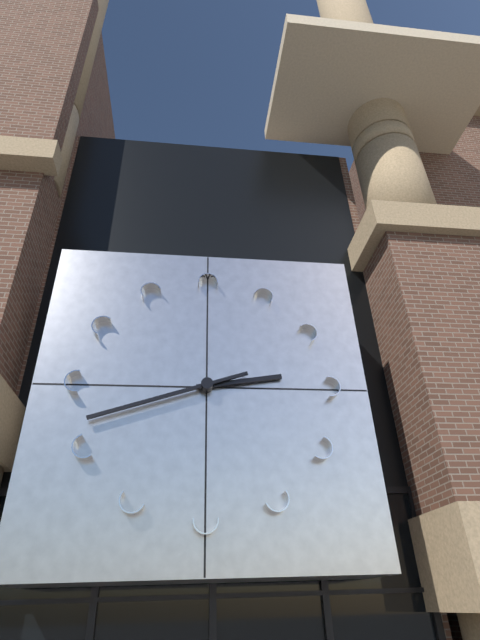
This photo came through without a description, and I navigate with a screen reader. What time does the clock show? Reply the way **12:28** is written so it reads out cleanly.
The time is **2:42**
